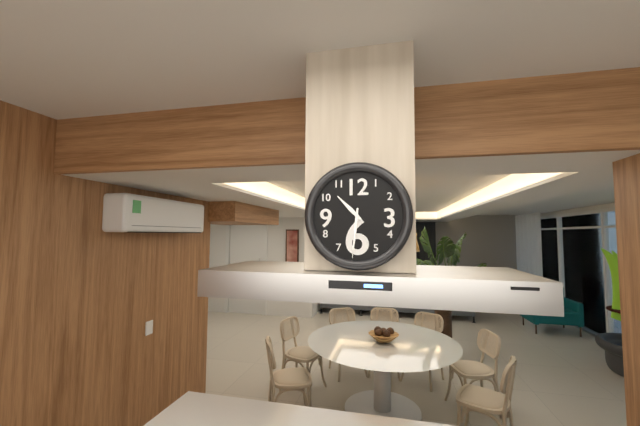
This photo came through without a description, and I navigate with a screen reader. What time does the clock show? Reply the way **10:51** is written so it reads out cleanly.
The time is **10:31**
